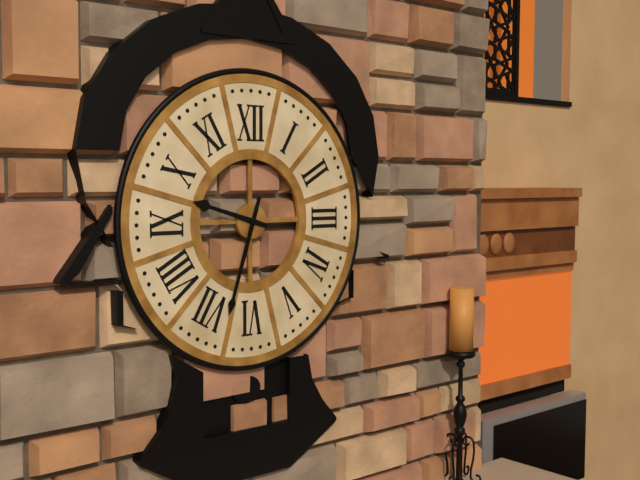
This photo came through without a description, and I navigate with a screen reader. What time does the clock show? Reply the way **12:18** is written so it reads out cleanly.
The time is **9:33**
